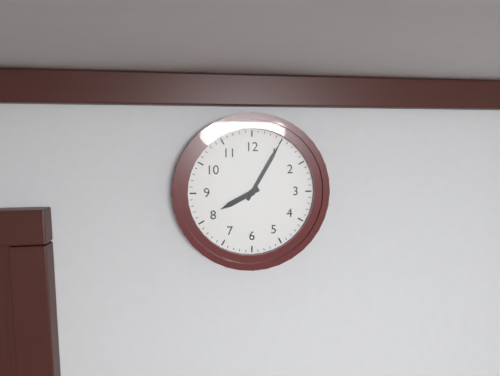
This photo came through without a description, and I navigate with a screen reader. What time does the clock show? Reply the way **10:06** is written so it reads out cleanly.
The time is **8:05**
